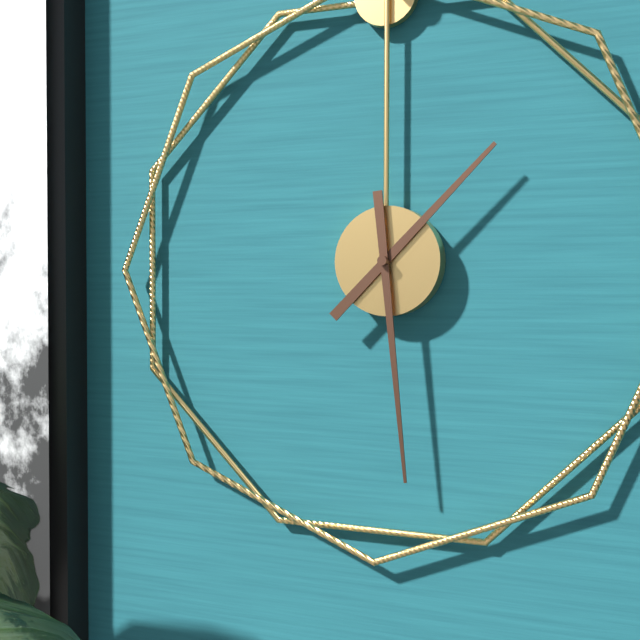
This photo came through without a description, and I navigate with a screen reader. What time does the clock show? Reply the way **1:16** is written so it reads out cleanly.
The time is **1:29**
